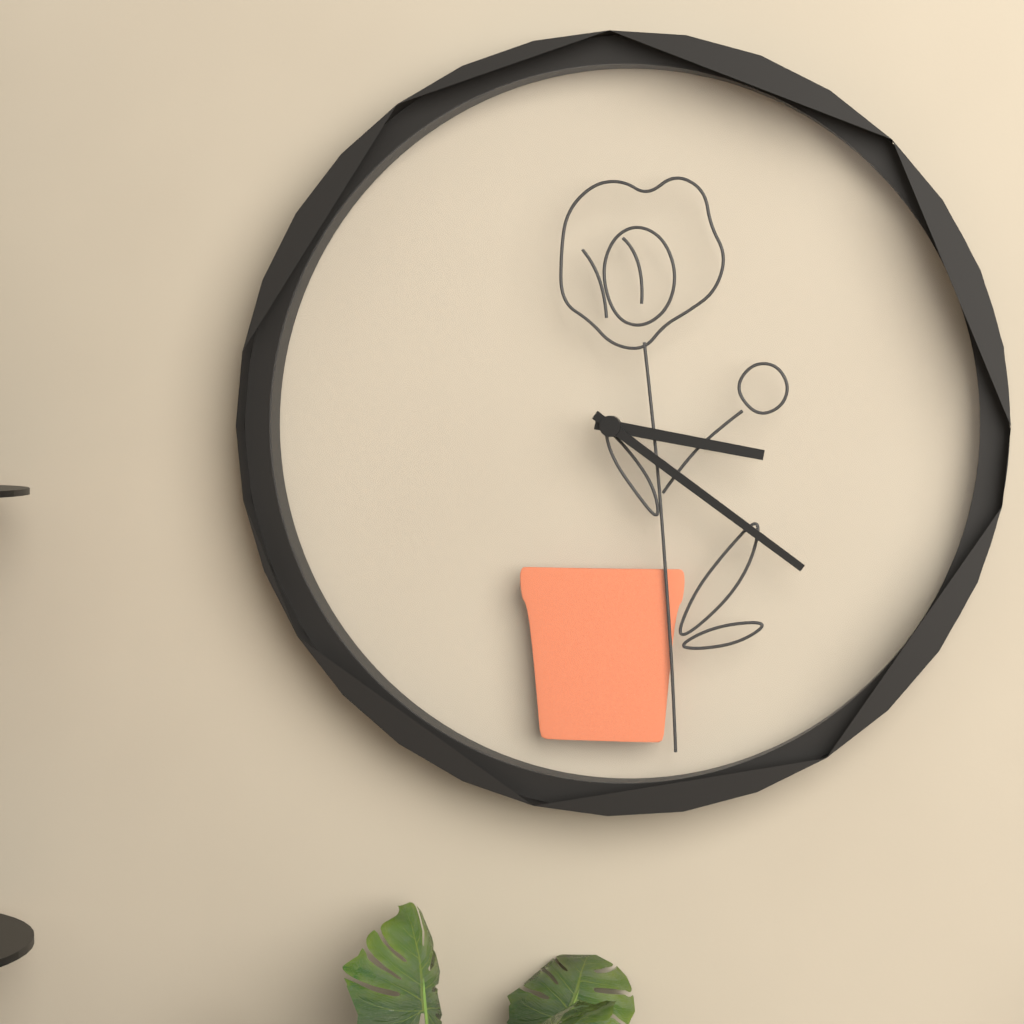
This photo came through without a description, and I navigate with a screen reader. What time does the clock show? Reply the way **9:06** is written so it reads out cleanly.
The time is **3:21**
